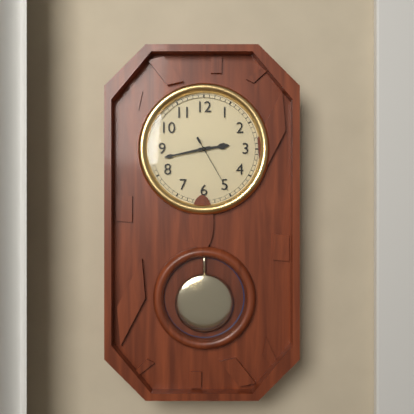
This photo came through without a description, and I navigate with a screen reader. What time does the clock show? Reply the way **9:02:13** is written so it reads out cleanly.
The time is **2:43:25**
